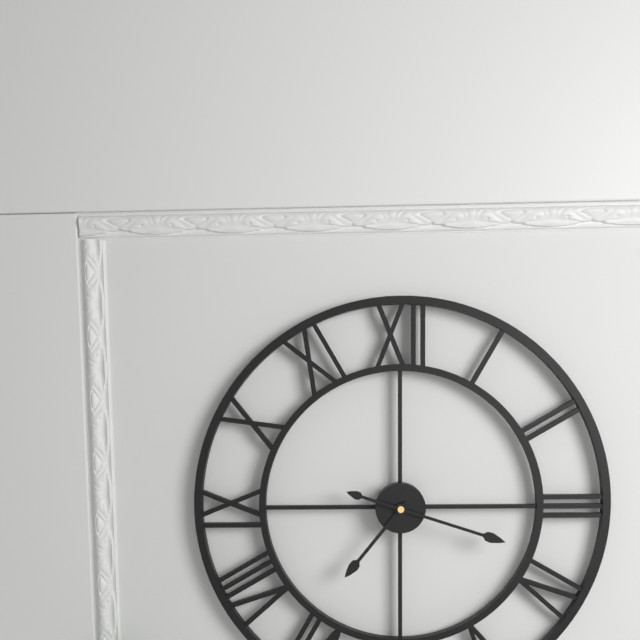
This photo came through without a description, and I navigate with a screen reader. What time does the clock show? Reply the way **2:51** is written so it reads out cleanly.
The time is **7:18**
